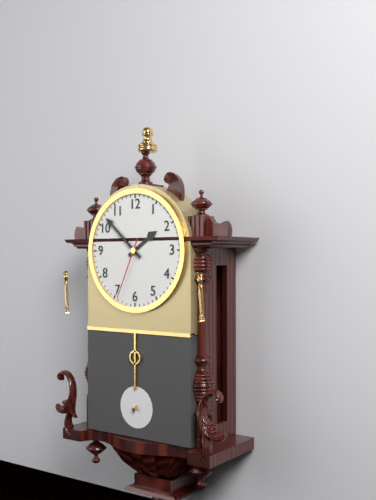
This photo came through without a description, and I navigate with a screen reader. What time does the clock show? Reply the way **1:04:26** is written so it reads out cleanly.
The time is **1:52:34**
